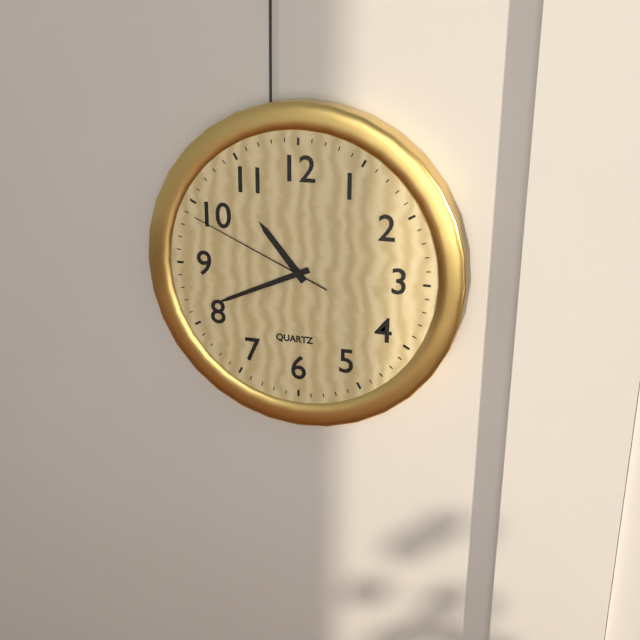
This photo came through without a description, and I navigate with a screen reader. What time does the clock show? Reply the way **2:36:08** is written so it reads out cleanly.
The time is **10:41:49**
